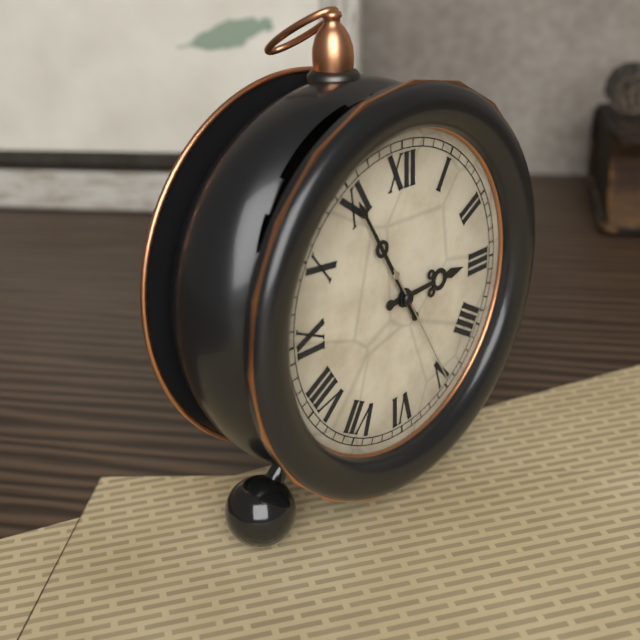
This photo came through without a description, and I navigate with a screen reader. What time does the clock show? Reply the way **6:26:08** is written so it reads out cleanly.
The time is **2:55:25**
